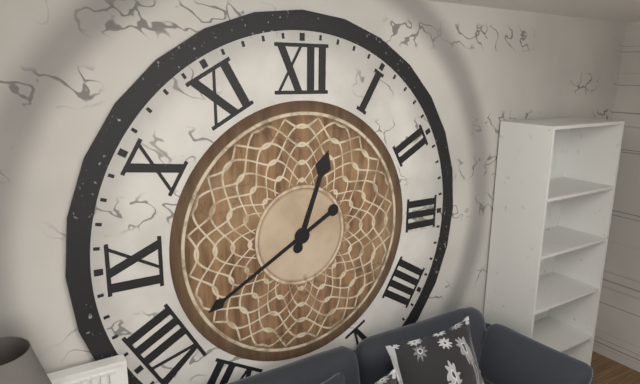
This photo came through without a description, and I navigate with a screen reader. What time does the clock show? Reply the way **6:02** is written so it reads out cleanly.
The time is **12:40**
